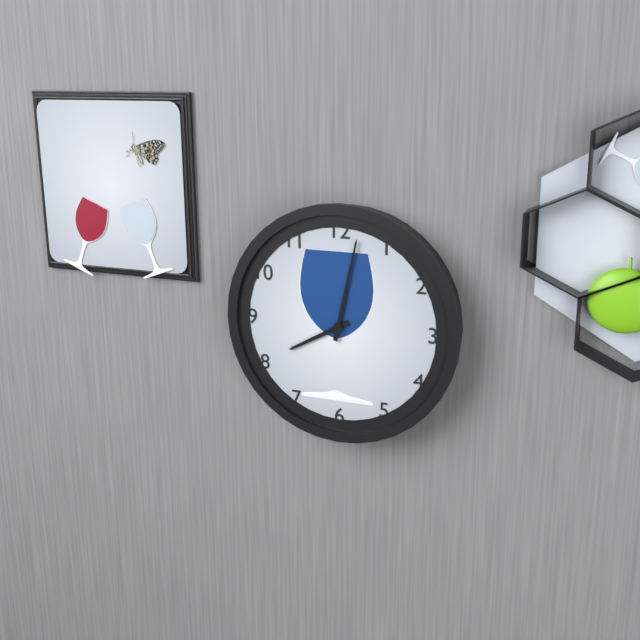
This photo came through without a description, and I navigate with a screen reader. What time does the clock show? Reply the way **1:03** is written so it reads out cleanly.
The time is **8:02**
